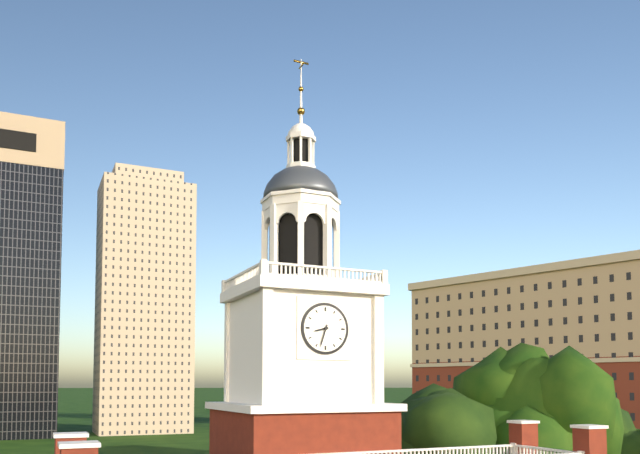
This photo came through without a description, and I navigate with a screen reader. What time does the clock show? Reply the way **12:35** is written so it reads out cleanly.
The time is **8:33**
